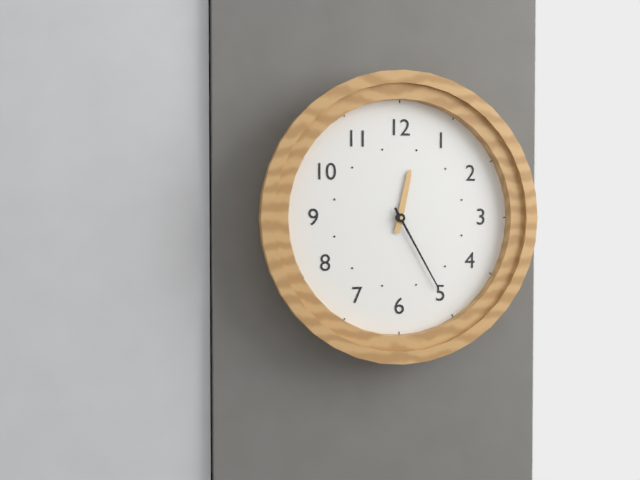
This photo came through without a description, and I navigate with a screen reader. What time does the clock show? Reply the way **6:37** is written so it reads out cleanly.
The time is **12:25**
